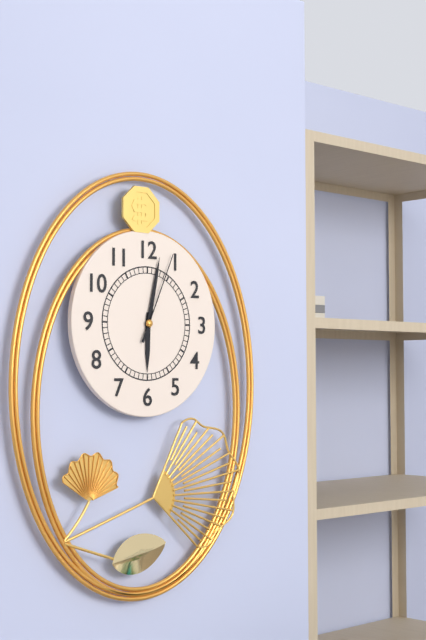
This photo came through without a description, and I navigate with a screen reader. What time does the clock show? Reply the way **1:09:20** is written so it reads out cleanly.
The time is **6:02:04**
